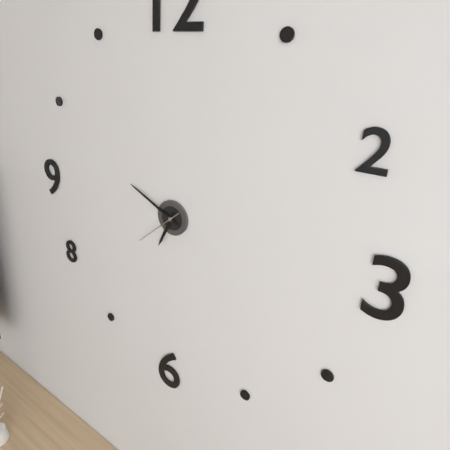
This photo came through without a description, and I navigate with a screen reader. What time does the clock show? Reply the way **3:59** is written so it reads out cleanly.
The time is **6:49**
